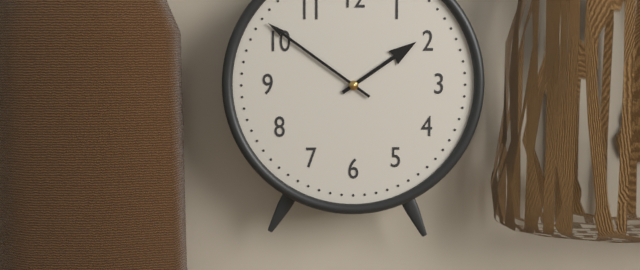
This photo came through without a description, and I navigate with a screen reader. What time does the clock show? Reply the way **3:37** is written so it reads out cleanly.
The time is **1:51**
